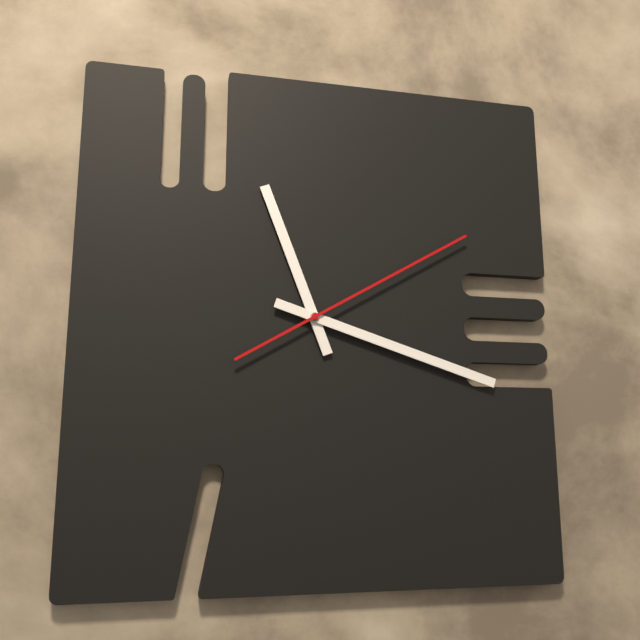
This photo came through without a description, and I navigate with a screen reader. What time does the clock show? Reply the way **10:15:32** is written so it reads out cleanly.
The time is **11:18:10**
